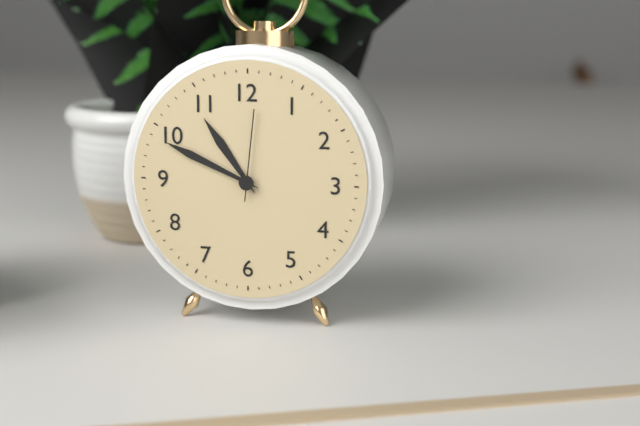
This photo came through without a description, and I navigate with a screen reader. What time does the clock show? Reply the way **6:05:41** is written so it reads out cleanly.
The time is **10:49:01**
